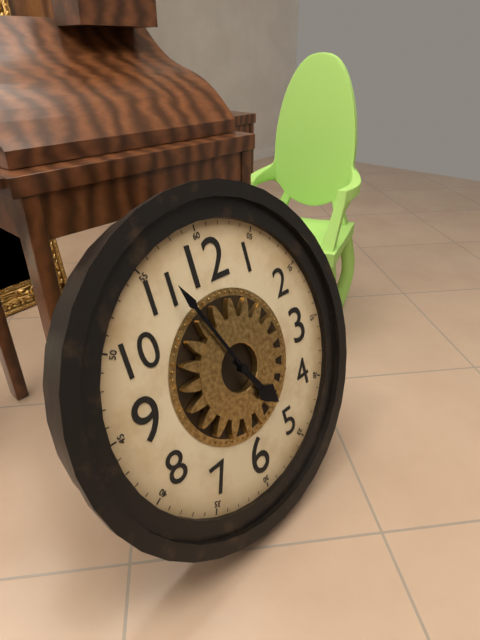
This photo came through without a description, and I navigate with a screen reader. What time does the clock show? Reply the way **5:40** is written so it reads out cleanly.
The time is **4:56**
